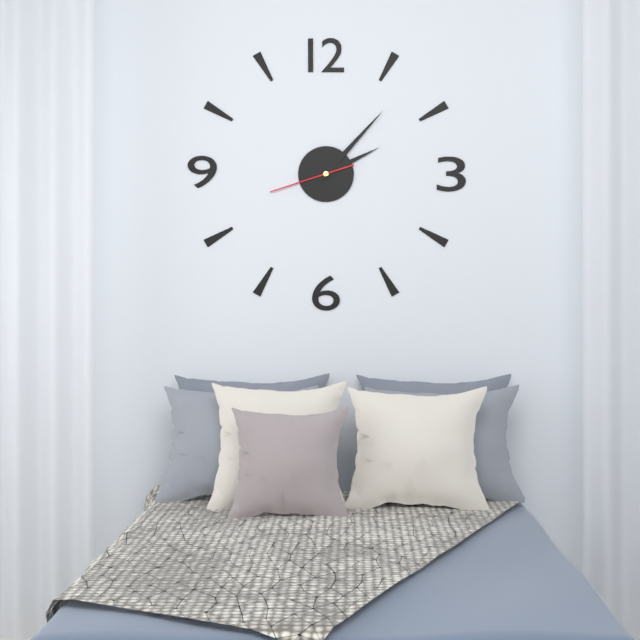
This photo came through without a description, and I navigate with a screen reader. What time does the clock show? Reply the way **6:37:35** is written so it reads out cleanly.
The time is **2:07:42**
